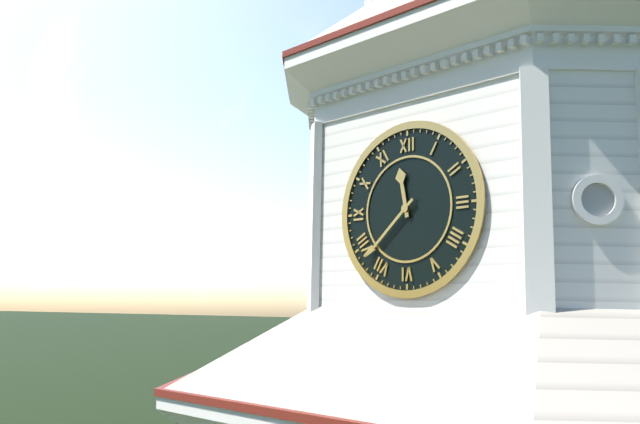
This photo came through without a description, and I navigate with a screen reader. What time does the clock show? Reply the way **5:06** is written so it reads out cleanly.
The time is **11:38**
